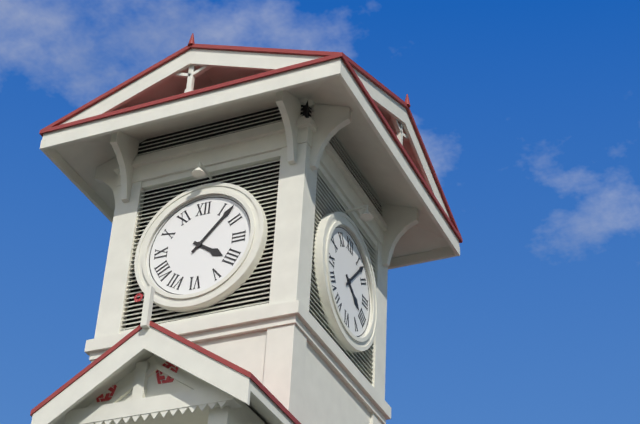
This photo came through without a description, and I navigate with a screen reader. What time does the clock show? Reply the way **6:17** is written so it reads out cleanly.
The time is **4:07**
